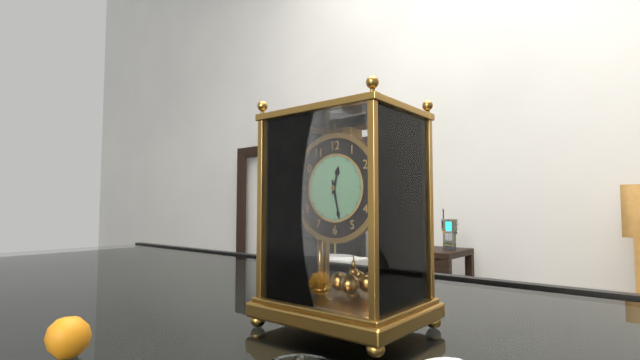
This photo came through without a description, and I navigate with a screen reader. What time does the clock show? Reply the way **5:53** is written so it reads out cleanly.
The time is **12:28**
